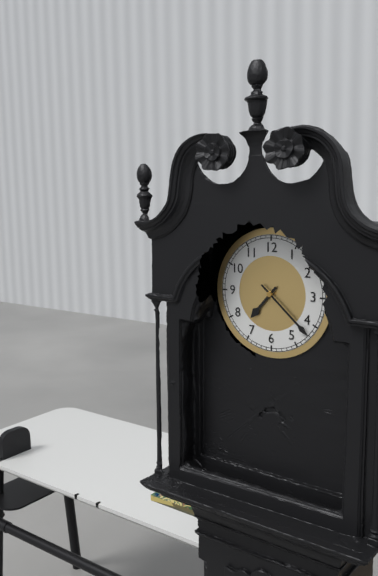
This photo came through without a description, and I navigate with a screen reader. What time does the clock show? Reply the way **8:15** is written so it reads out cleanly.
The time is **7:22**
